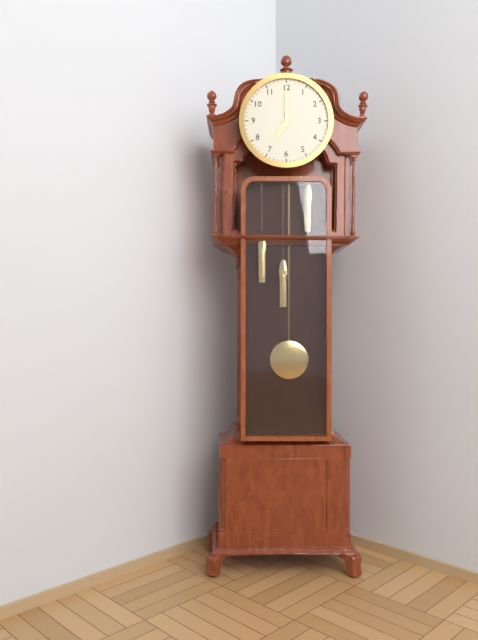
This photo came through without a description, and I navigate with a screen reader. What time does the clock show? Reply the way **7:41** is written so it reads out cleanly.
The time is **7:00**
